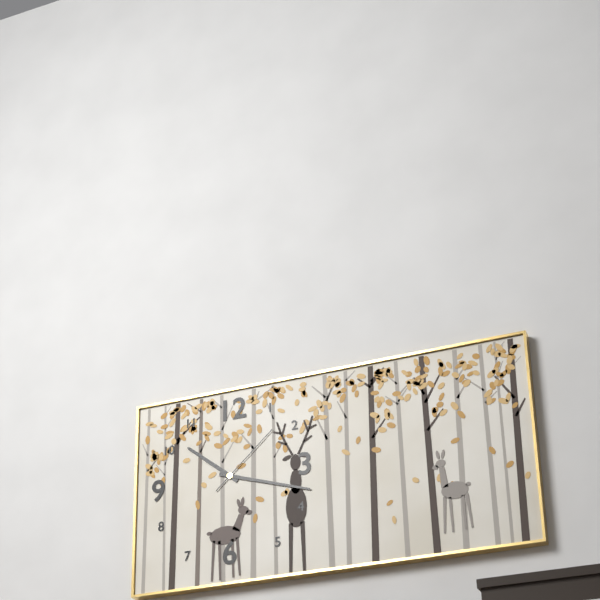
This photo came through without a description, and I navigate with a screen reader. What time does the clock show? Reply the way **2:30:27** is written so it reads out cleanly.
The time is **10:18:08**
